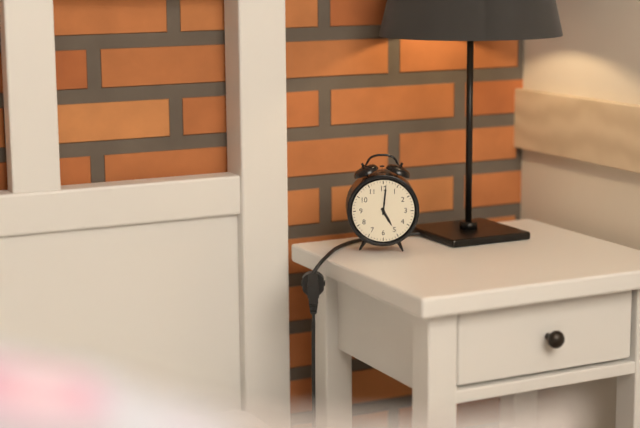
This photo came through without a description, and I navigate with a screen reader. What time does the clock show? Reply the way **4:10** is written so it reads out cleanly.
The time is **5:01**
